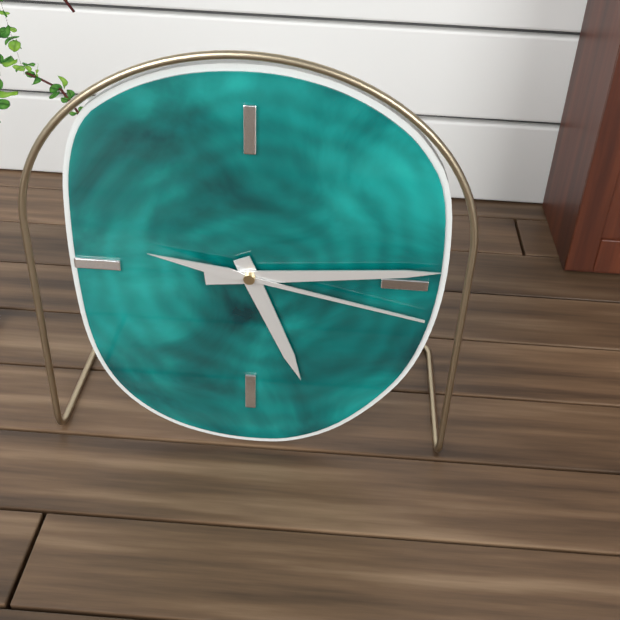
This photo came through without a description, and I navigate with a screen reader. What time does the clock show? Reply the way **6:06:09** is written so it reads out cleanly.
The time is **5:14:17**
